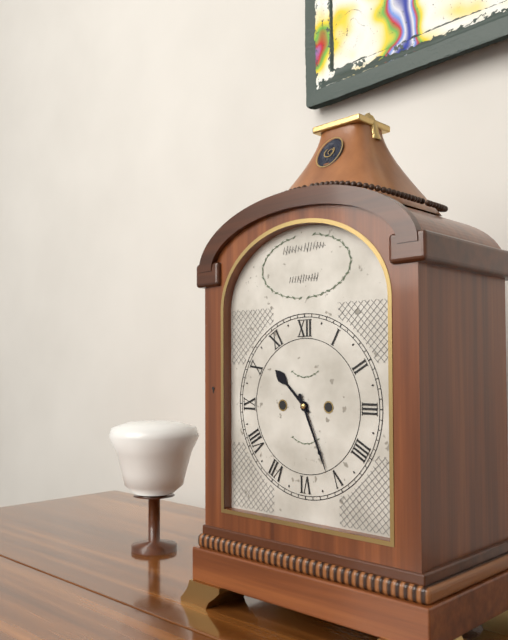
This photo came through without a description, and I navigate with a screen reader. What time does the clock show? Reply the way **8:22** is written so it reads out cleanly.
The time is **10:26**
